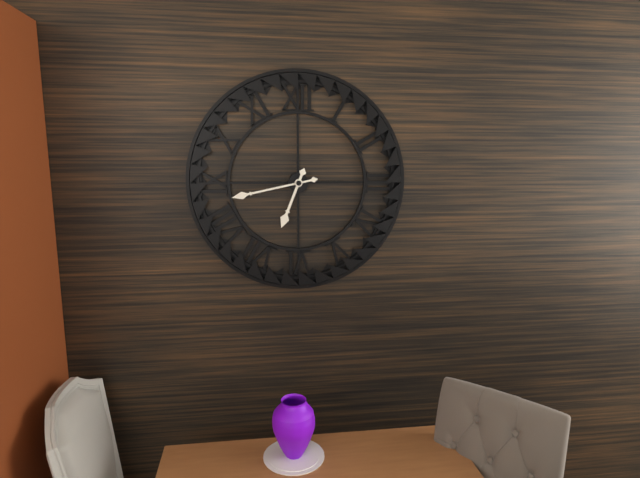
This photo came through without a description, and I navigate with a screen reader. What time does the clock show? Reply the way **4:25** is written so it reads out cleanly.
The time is **6:43**
